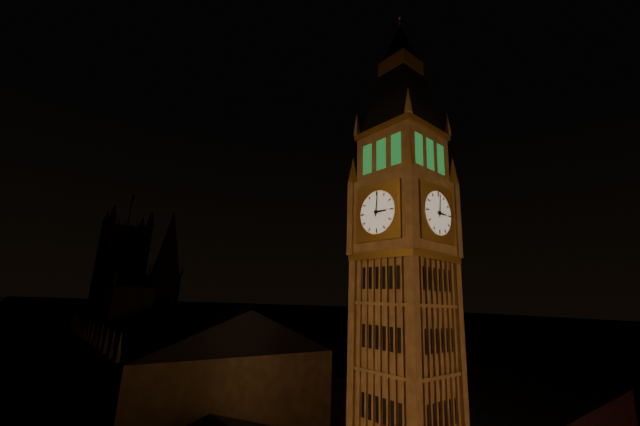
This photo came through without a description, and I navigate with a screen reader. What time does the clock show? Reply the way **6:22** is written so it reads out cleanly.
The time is **3:01**
